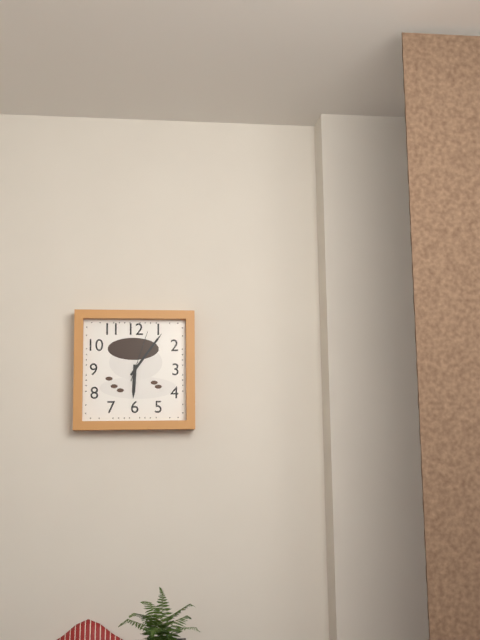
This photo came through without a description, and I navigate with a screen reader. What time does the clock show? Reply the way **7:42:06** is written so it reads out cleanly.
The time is **6:06:03**
